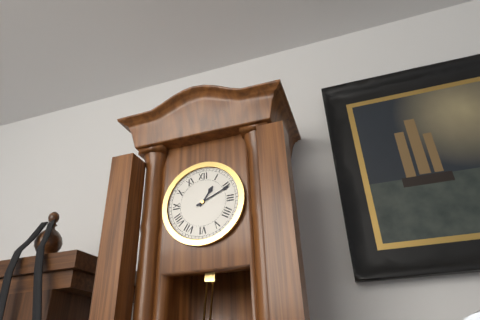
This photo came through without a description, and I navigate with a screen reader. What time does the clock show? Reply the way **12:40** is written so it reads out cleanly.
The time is **1:11**
